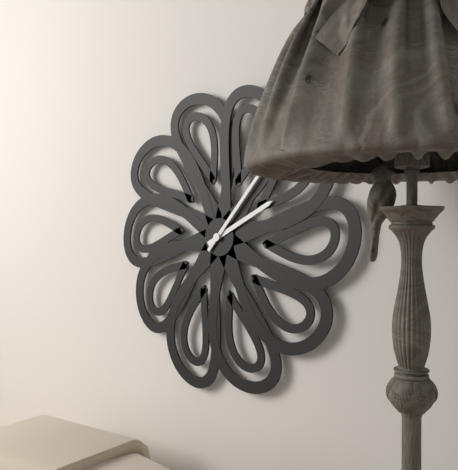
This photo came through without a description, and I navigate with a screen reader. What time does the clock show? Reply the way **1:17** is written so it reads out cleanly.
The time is **2:07**
